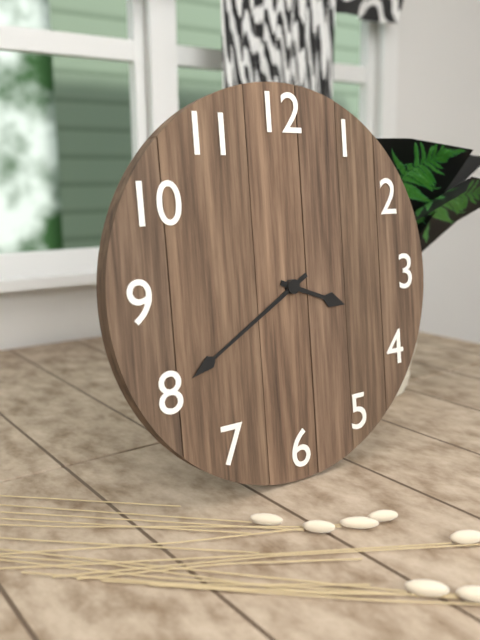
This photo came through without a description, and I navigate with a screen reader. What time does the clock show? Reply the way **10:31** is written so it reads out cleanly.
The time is **3:40**
